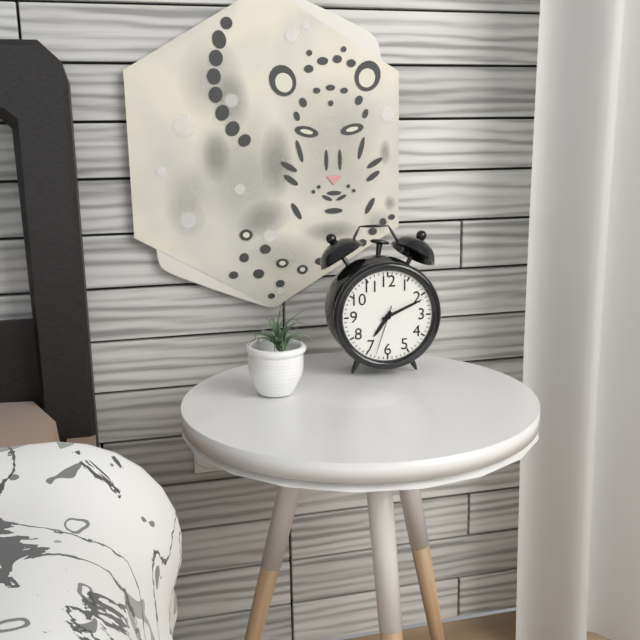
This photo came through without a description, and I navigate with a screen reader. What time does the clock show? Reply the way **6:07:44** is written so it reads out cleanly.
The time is **7:11:33**
